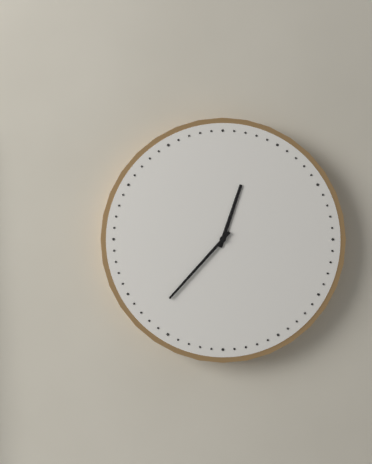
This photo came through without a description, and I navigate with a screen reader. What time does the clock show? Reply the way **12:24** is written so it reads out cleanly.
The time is **12:37**
